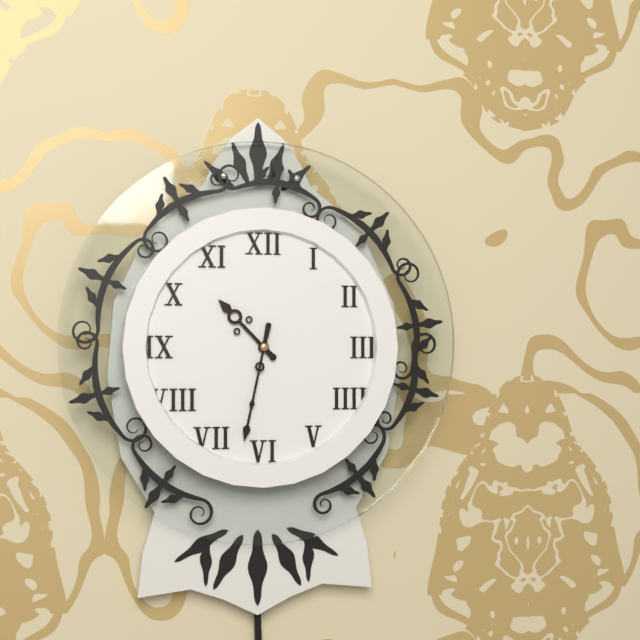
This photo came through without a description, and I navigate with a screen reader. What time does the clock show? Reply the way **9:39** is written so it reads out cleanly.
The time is **10:32**
